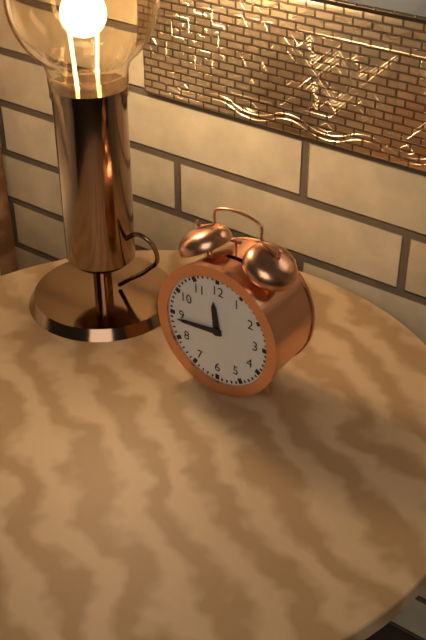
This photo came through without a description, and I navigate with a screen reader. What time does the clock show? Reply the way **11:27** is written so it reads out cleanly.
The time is **11:44**
